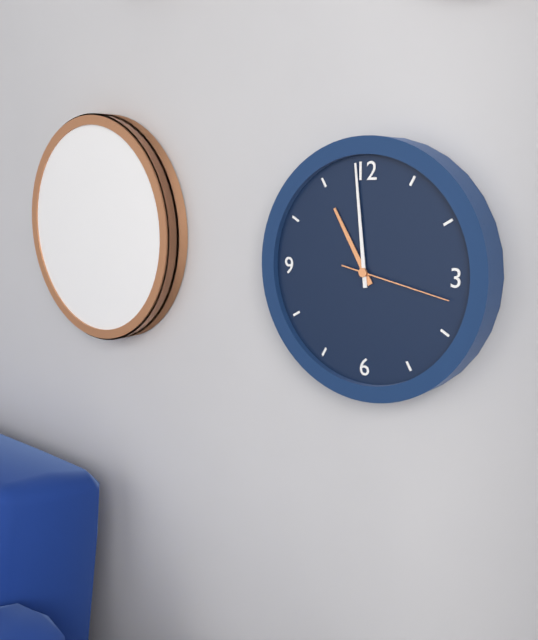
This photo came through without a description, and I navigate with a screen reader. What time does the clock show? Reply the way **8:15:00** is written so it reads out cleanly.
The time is **10:59:17**
